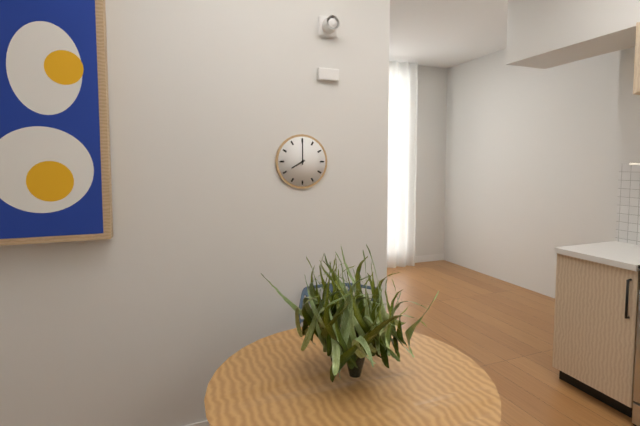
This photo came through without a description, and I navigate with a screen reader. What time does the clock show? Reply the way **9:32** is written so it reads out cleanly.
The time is **8:00**
